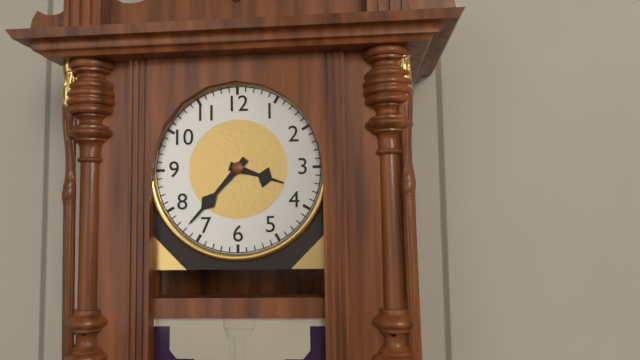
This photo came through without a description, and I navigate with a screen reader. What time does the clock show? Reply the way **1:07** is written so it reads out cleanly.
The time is **3:37**
